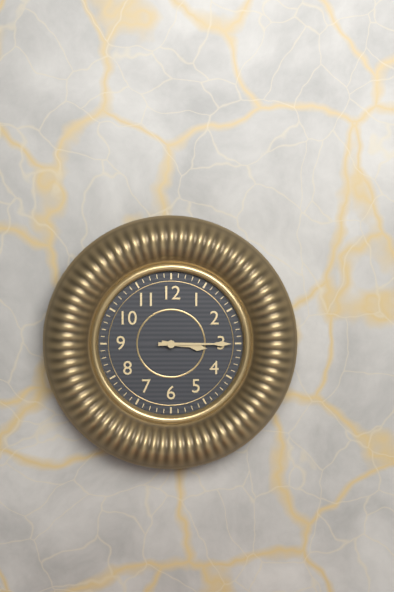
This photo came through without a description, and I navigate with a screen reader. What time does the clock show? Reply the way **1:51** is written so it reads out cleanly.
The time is **3:15**
